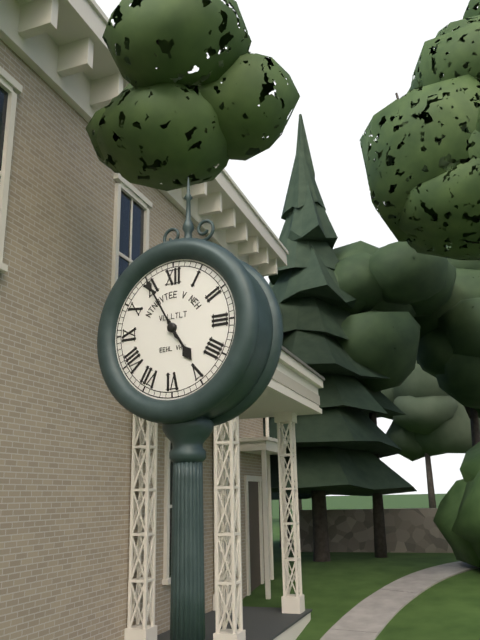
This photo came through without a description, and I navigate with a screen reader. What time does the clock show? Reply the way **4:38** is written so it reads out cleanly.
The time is **4:55**
